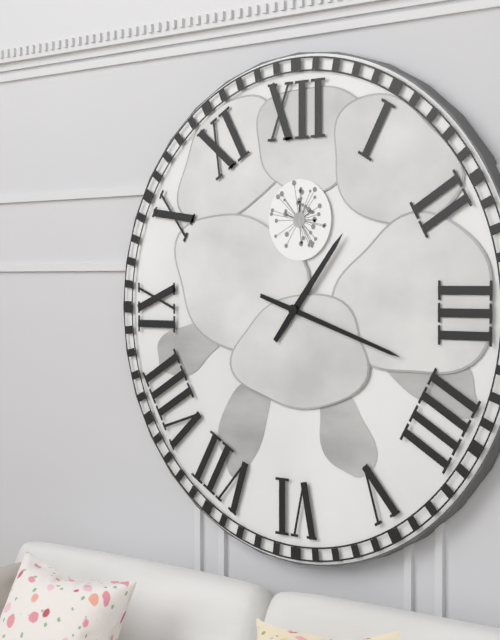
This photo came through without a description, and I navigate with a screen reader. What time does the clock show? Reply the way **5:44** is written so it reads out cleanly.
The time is **1:18**
